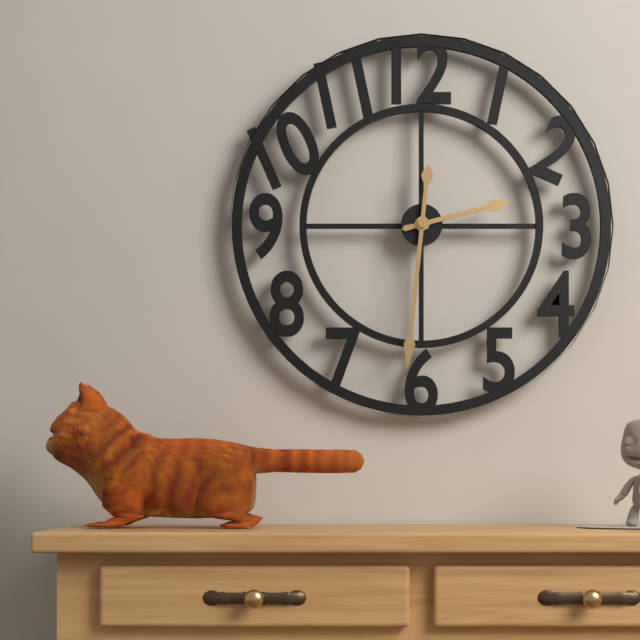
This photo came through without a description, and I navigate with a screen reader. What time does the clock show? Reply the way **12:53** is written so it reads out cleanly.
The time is **2:31**
